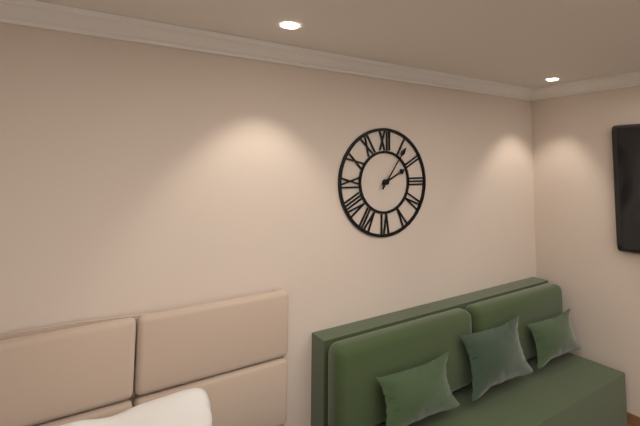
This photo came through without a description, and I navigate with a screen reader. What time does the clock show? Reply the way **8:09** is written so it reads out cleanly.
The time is **2:06**
